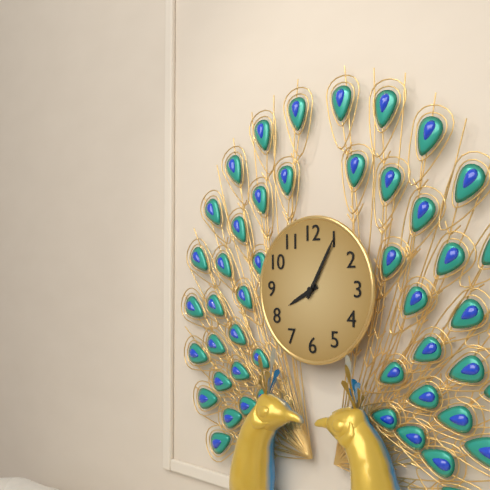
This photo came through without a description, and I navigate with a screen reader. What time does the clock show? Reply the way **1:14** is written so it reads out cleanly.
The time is **8:05**
